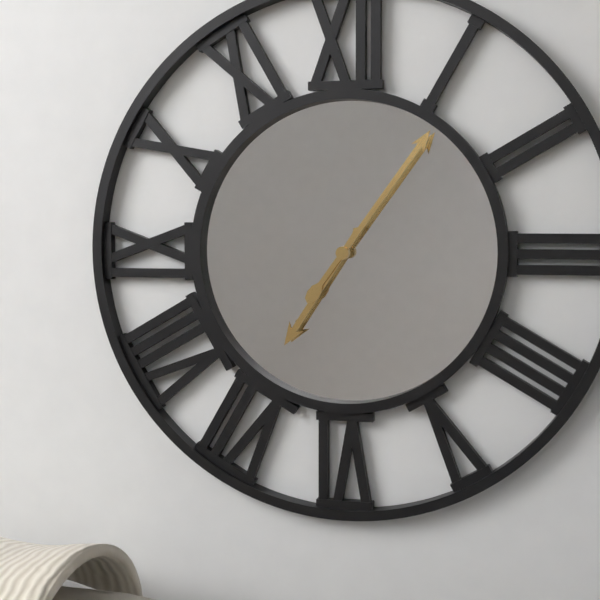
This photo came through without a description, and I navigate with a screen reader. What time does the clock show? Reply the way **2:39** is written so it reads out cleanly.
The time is **7:06**
